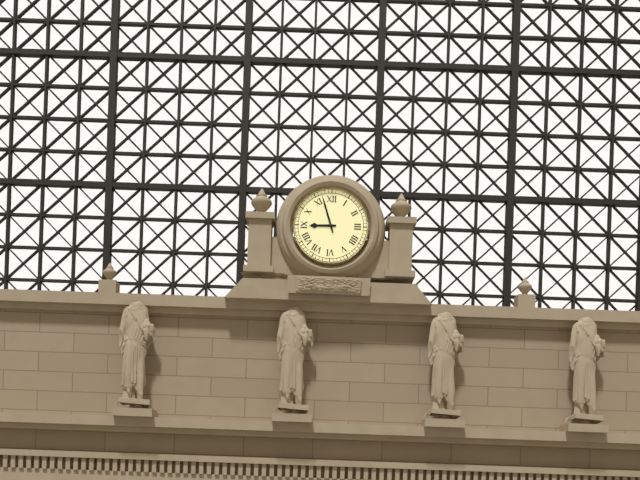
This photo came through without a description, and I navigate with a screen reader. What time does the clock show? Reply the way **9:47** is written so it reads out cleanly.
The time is **8:57**
